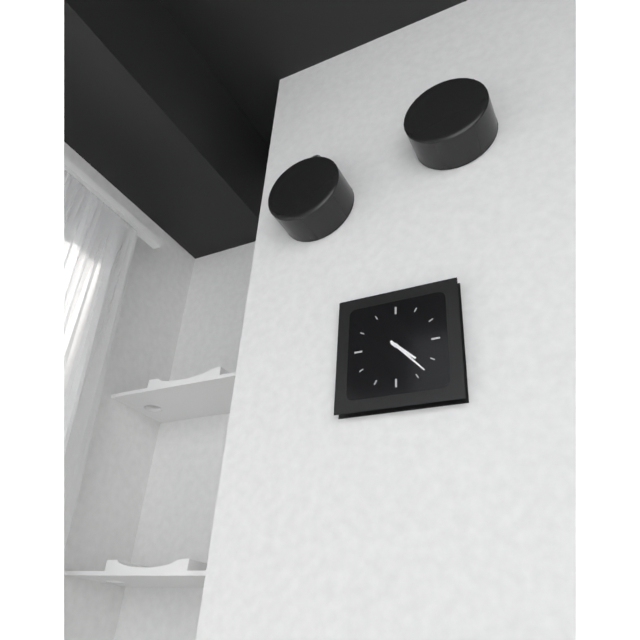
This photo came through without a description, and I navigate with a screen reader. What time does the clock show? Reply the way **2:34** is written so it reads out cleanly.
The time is **4:23**
